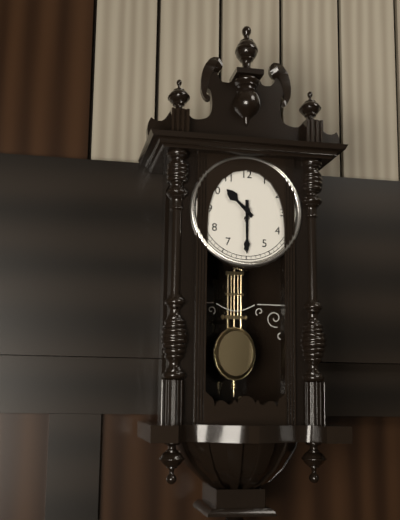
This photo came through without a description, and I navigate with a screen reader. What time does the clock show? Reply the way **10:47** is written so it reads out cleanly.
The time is **10:30**
